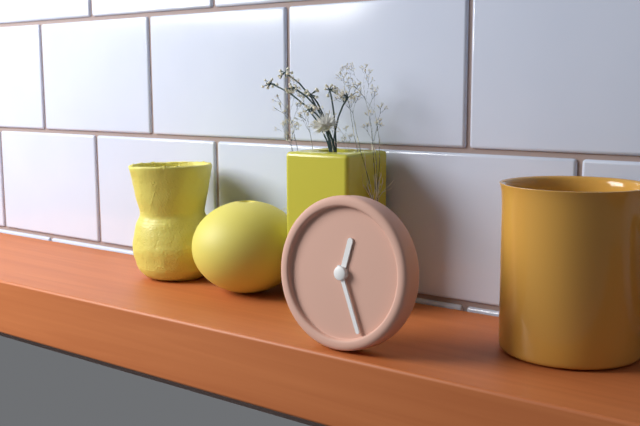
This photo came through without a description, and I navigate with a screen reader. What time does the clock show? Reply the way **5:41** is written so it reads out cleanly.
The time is **12:26**
